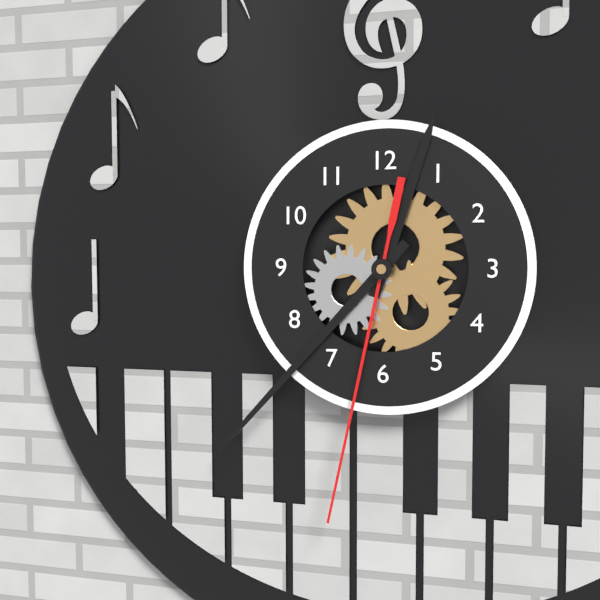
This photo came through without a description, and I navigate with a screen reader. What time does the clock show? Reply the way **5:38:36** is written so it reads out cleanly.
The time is **12:37:32**
